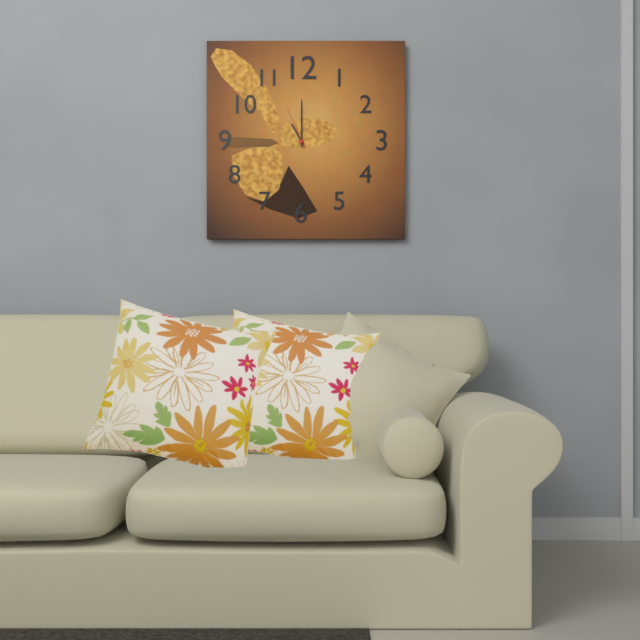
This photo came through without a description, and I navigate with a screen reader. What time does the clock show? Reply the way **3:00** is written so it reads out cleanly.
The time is **11:00**
